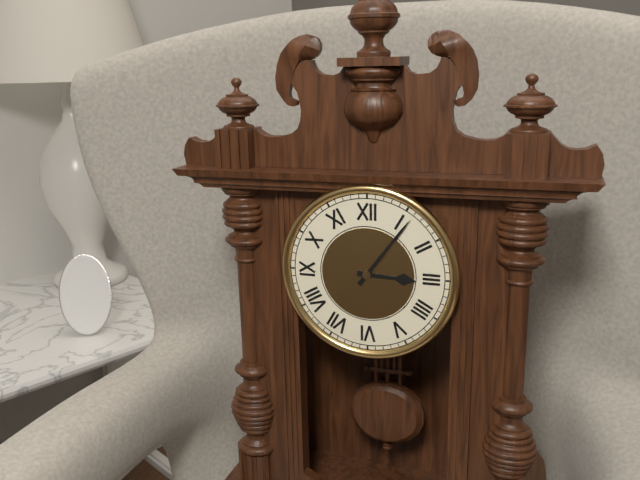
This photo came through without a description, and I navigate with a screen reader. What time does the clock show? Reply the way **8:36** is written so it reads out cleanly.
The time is **3:06**
